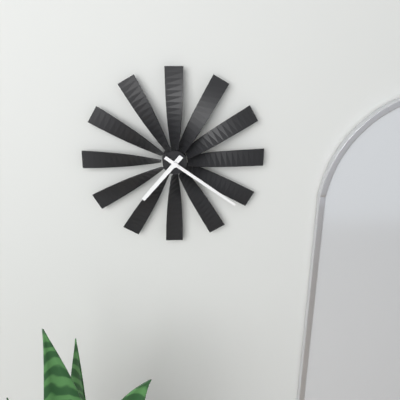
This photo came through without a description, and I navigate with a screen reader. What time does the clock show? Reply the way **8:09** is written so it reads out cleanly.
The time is **7:21**
